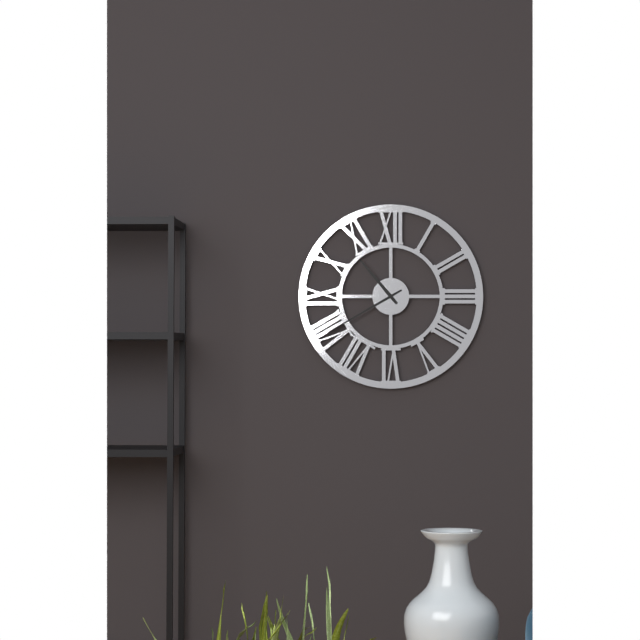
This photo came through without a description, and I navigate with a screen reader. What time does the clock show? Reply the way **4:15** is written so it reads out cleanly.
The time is **10:40**
